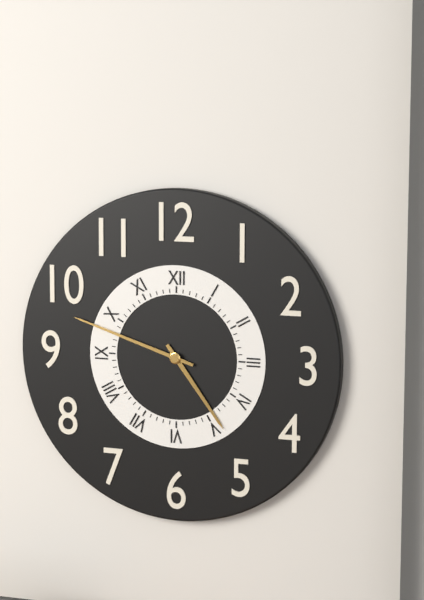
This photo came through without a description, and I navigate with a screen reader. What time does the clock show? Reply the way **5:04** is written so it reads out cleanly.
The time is **4:48**
